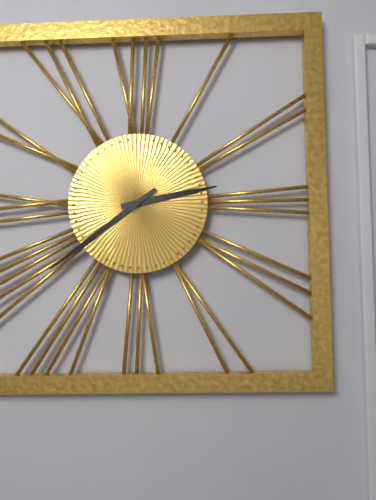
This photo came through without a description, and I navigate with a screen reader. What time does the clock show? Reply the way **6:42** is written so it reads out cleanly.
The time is **2:39**
